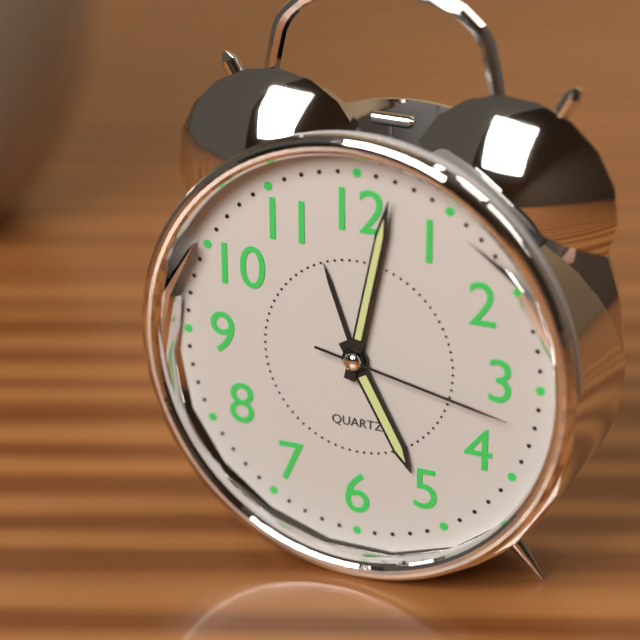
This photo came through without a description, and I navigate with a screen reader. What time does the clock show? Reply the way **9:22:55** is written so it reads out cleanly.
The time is **5:02:17**
